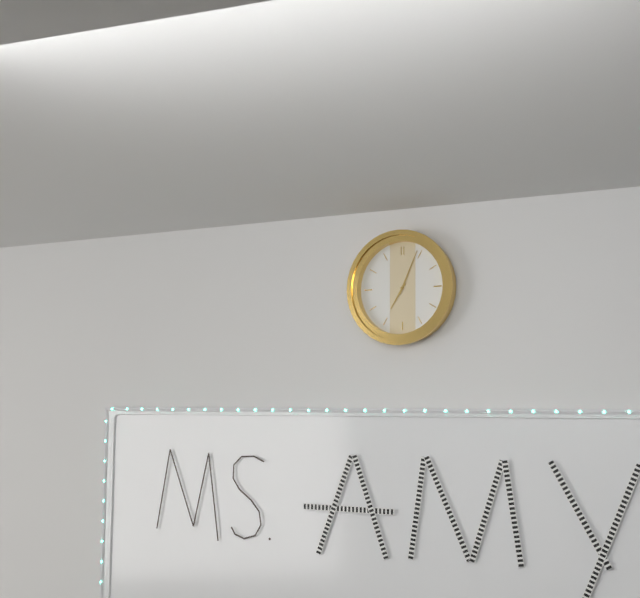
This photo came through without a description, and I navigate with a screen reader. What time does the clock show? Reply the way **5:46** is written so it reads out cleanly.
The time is **7:04**
